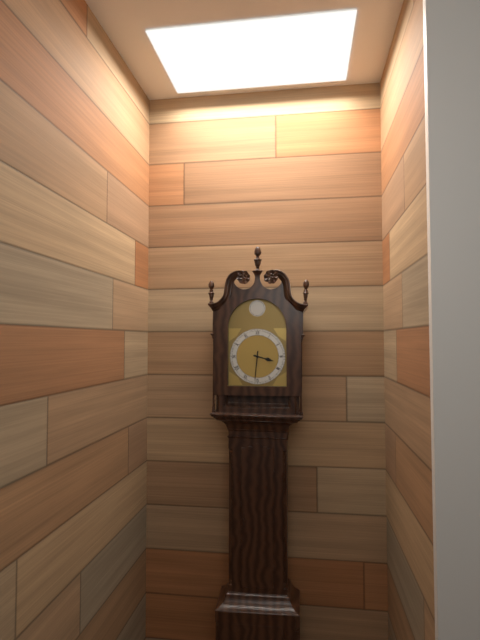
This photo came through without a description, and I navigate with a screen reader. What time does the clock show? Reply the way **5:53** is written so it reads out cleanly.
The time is **3:31**
